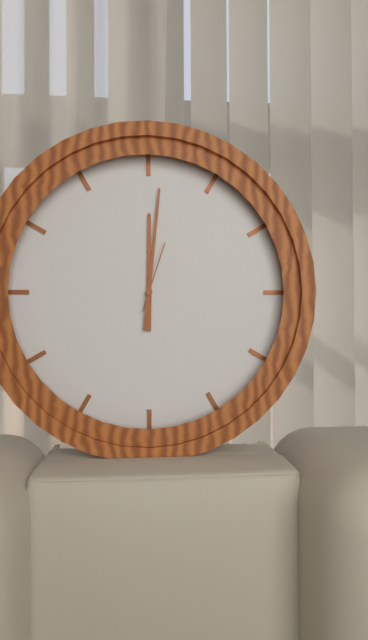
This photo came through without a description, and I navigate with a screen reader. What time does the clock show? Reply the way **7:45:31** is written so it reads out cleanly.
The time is **12:01:03**
